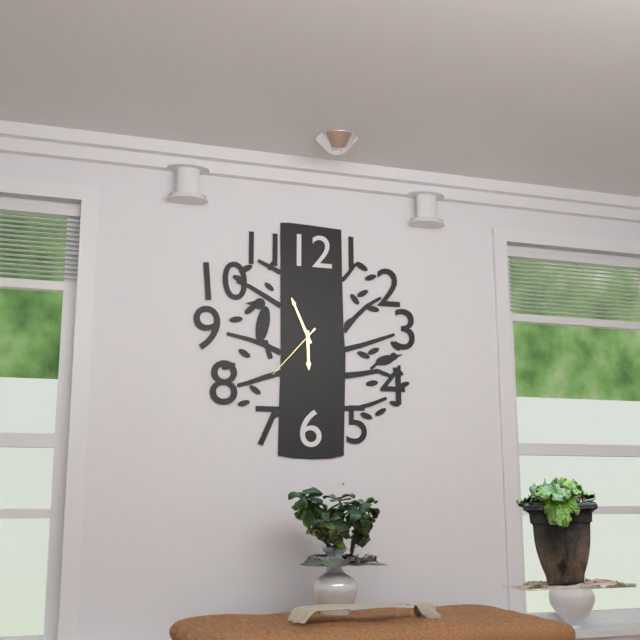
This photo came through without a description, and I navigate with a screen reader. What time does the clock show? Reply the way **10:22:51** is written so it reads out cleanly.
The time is **5:56:37**
